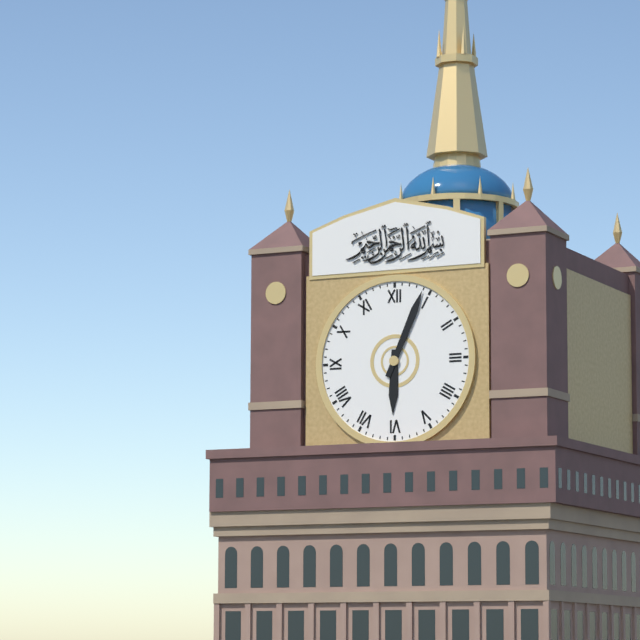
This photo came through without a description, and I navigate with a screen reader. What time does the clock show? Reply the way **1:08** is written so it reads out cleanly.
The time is **6:04**
